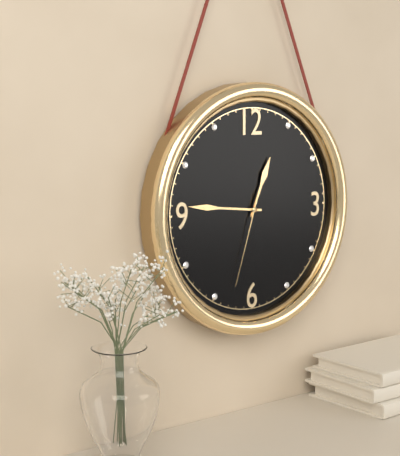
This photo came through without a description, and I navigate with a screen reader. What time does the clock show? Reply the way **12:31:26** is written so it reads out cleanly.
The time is **12:46:33**
